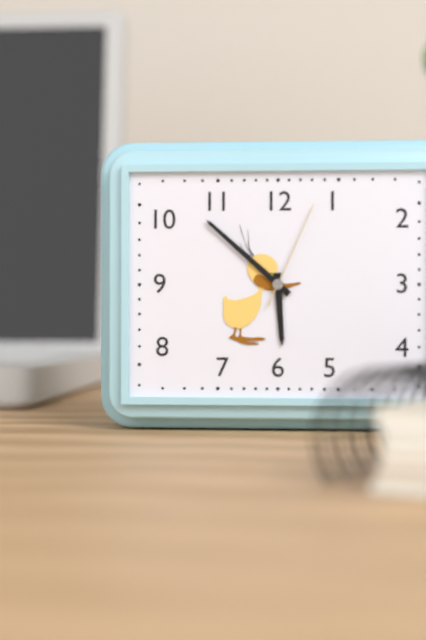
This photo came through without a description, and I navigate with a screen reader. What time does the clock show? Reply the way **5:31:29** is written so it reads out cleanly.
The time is **5:52:04**
